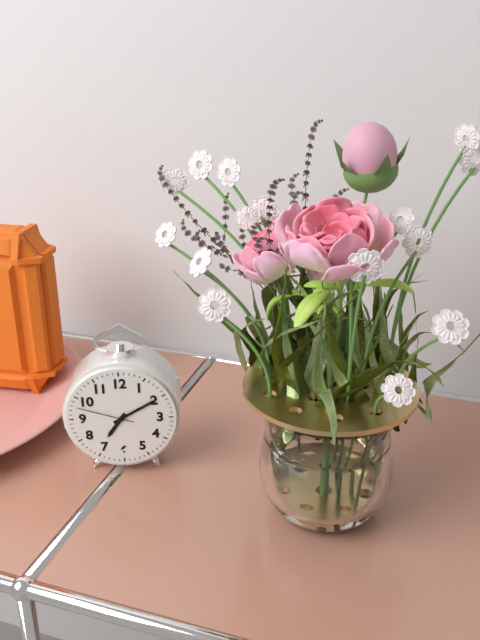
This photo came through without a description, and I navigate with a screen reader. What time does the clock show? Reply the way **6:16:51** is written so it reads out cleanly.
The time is **7:10:48**
